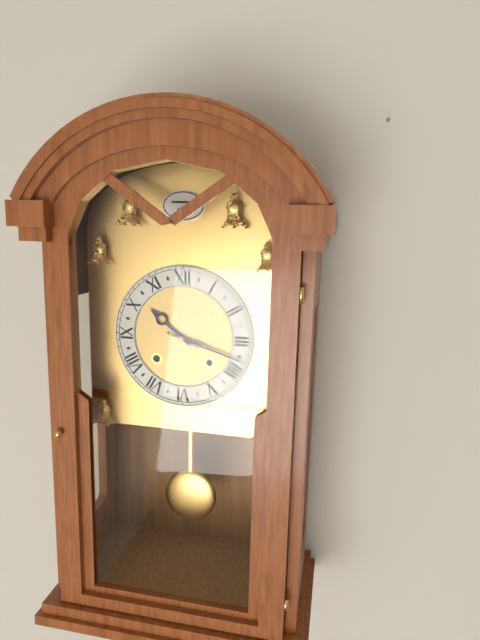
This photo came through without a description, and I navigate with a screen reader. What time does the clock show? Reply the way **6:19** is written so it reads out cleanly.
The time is **10:18**
